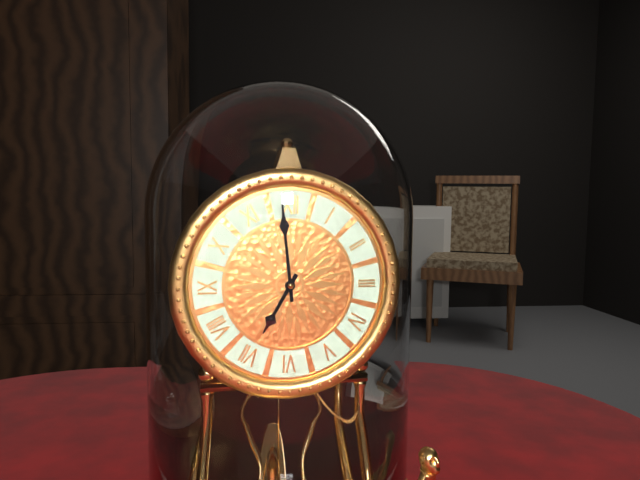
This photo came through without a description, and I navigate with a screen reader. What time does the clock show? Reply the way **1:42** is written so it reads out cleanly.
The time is **6:59**
